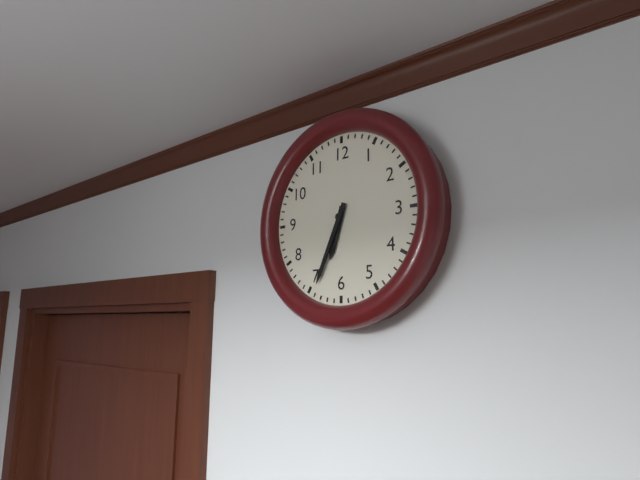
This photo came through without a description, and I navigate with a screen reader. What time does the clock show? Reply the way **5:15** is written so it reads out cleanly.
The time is **6:34**
